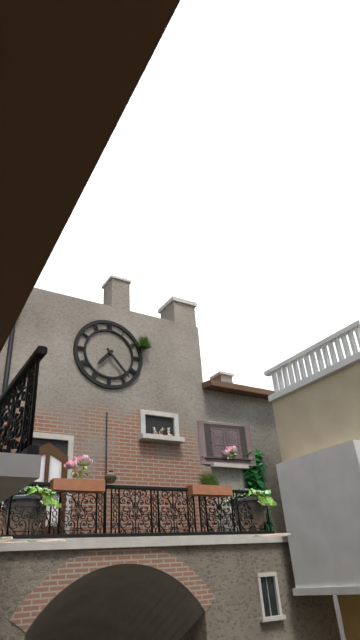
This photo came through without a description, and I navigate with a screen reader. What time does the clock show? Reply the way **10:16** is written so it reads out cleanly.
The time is **7:23**
